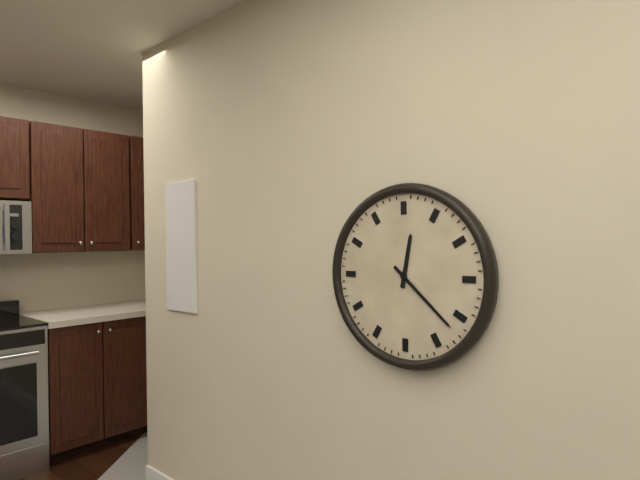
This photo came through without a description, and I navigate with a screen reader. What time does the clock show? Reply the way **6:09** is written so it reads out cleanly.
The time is **12:22**
